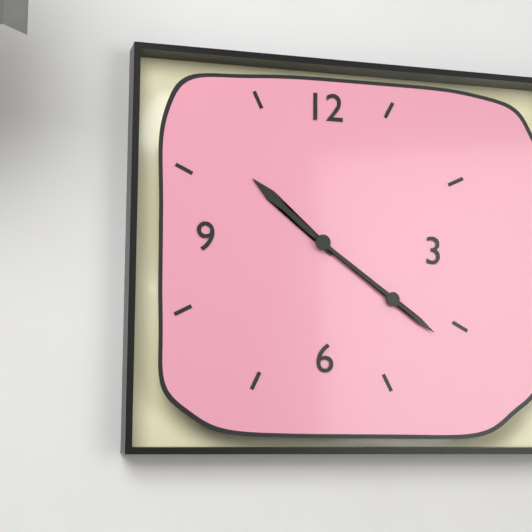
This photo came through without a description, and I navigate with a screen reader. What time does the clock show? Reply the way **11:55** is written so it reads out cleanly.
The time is **10:21**
